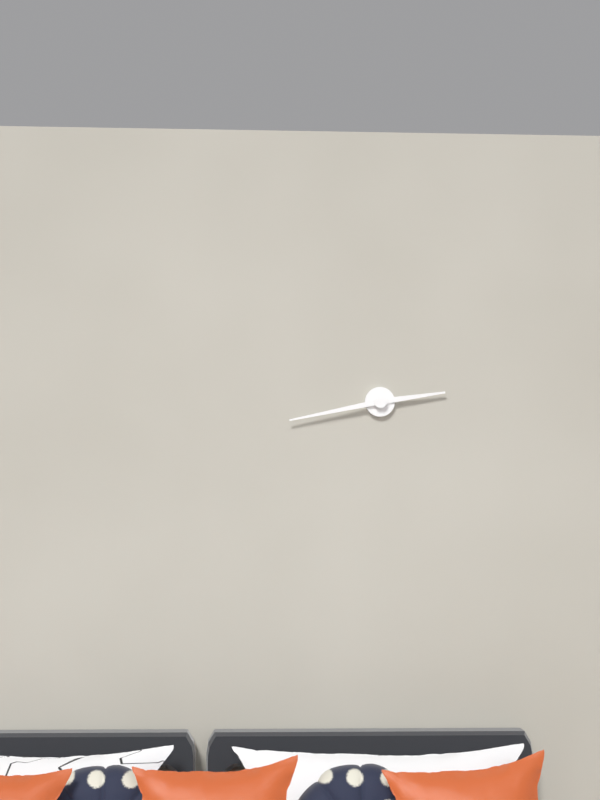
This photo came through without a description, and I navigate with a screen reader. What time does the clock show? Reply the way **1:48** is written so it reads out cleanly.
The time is **2:43**
